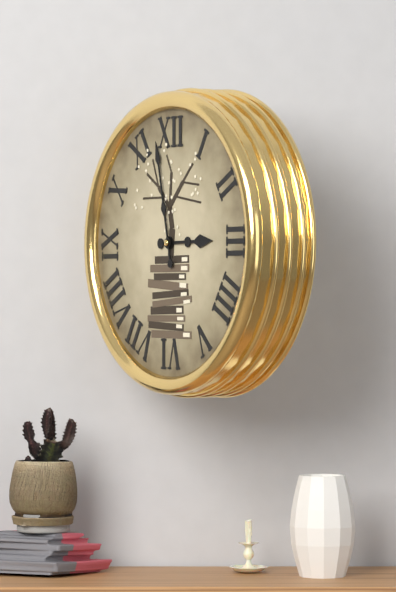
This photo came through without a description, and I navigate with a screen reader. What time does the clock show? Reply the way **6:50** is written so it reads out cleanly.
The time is **2:58**
